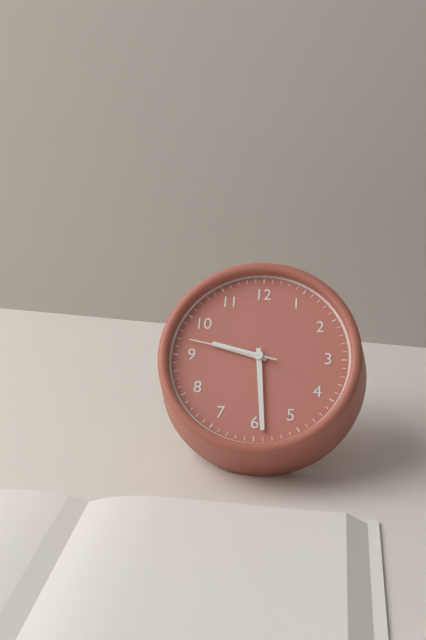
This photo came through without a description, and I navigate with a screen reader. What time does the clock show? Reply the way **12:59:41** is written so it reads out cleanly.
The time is **9:29:47**
